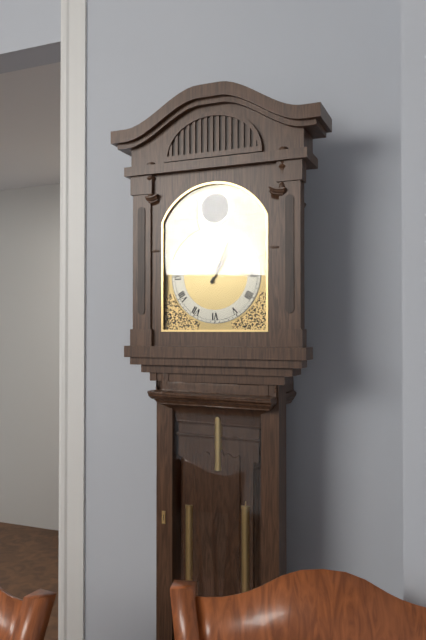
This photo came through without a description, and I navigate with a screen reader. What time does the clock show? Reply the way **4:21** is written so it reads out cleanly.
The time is **1:04**
